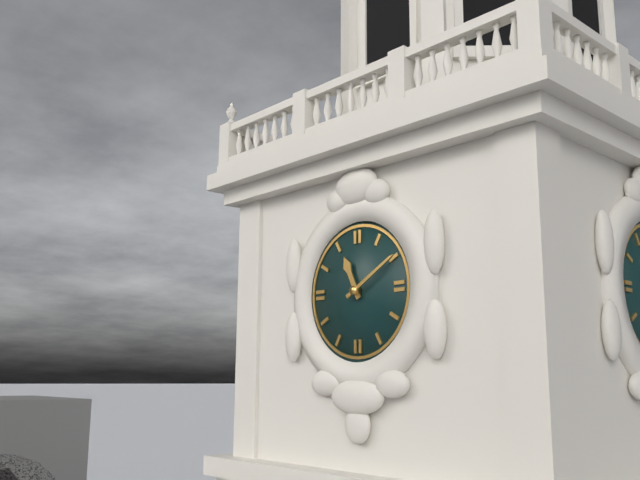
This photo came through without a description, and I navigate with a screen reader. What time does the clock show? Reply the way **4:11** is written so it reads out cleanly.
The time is **11:10**
